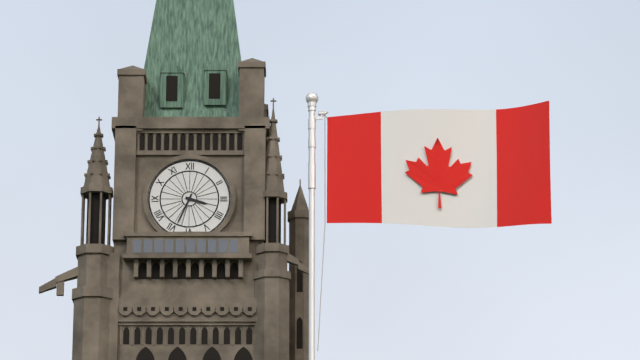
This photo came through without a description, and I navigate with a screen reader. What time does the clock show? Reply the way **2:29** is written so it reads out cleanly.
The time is **3:34**
